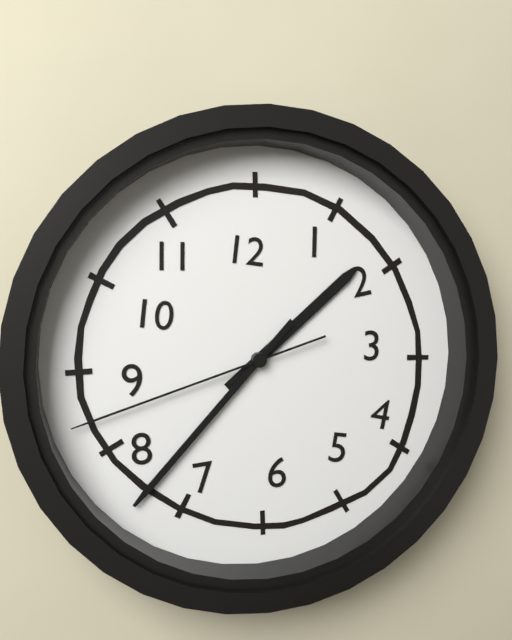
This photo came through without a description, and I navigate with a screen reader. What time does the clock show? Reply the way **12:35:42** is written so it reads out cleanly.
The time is **1:37:42**
